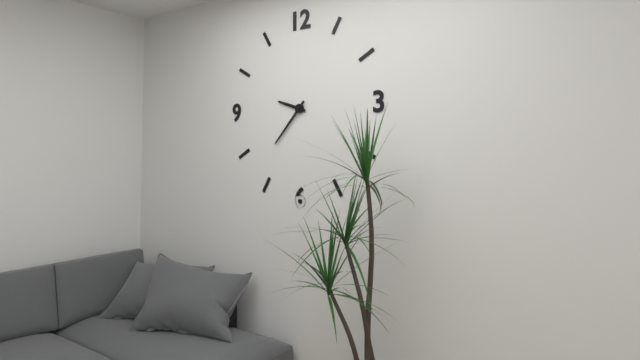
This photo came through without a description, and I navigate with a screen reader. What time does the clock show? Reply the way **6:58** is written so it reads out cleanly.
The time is **9:37**
